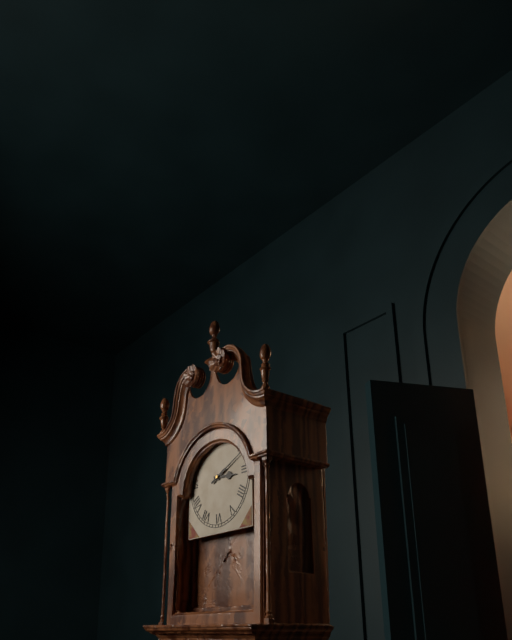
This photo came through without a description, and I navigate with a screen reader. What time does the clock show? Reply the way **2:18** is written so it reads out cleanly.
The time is **3:11**
